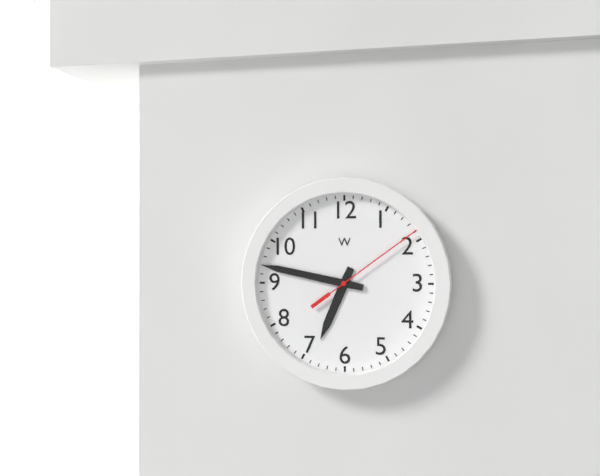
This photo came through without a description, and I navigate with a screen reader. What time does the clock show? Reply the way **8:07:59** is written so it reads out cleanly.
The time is **6:47:09**
